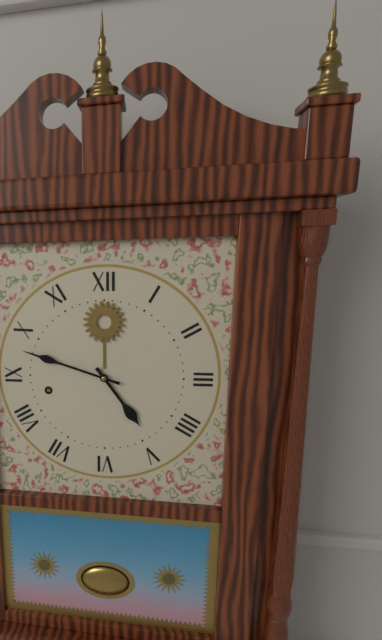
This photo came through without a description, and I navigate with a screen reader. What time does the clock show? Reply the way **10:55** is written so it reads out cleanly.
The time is **4:48**
